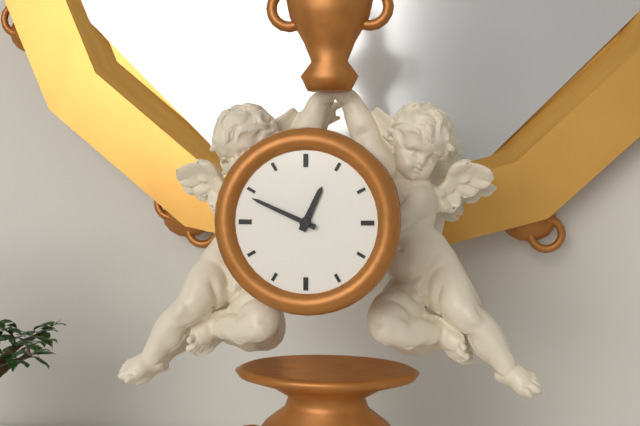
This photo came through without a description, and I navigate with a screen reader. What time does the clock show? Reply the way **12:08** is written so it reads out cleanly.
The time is **12:49**
